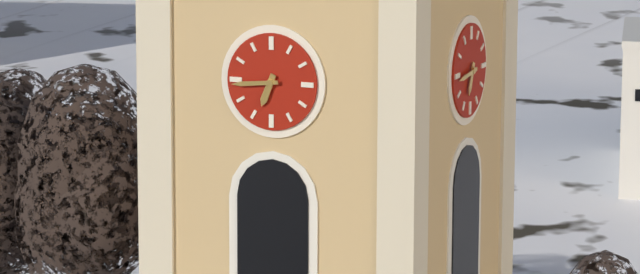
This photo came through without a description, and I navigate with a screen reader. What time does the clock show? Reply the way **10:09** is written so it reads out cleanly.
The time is **6:44**
